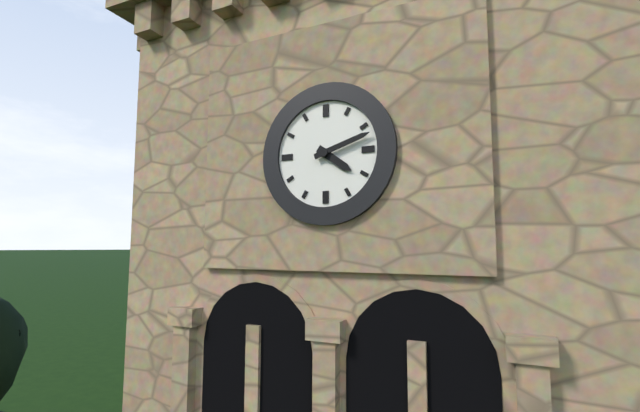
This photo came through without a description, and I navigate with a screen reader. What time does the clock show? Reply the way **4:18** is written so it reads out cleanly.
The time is **4:12**
